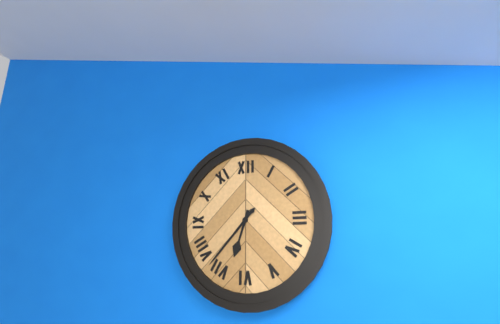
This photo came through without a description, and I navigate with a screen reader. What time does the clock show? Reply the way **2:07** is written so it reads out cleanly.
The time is **6:37**
